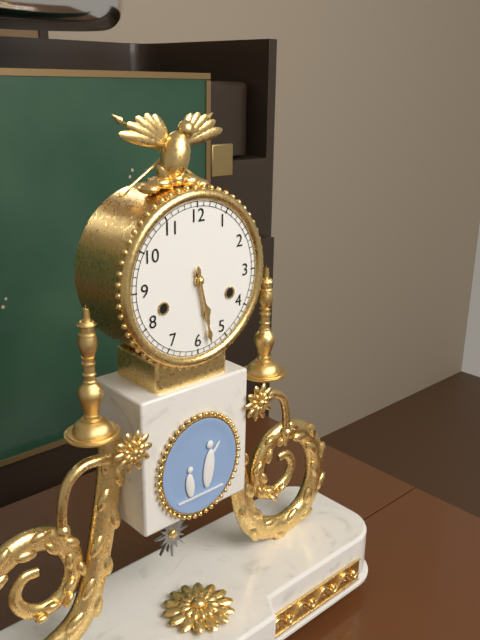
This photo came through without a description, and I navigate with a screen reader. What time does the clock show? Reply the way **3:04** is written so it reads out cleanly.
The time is **5:28**
